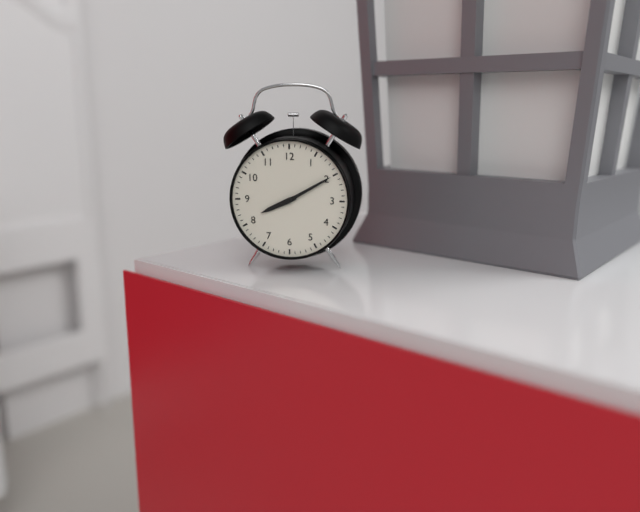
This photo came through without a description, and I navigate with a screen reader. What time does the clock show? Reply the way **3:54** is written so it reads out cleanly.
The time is **8:10**
